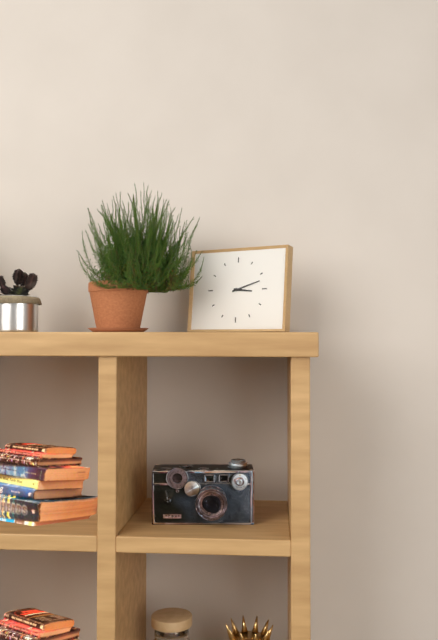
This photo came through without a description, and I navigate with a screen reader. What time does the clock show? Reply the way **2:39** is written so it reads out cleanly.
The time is **3:12**
